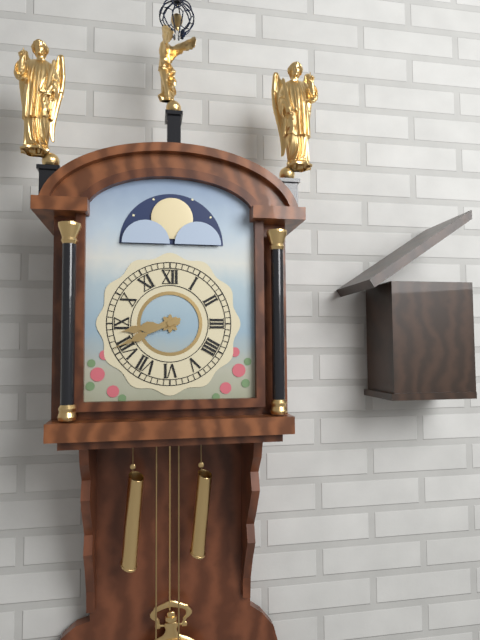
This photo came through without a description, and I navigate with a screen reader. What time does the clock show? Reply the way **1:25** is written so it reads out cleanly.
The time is **8:41**
